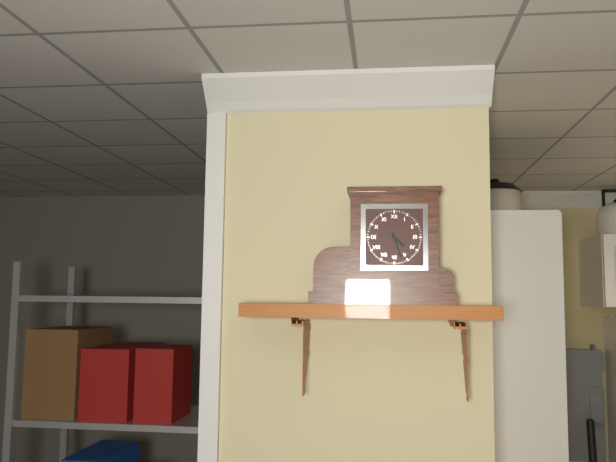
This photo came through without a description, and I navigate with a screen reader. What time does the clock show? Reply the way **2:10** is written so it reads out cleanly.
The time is **4:27**
